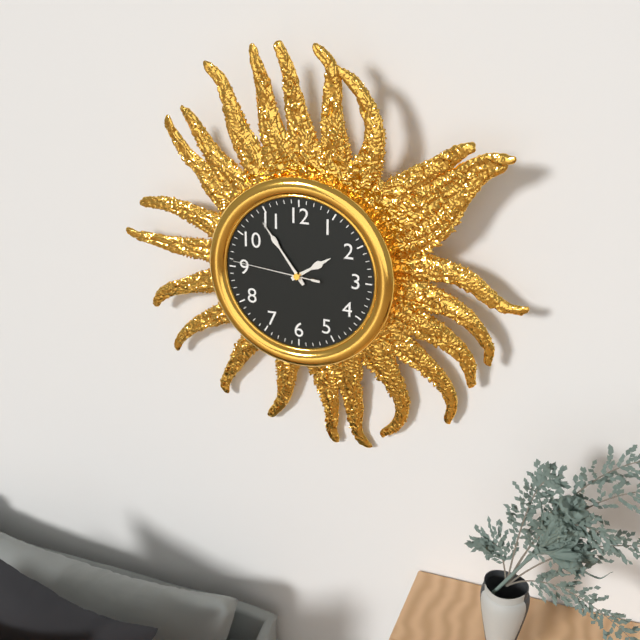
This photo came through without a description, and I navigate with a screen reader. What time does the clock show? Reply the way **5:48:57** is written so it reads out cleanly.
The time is **1:54:46**
